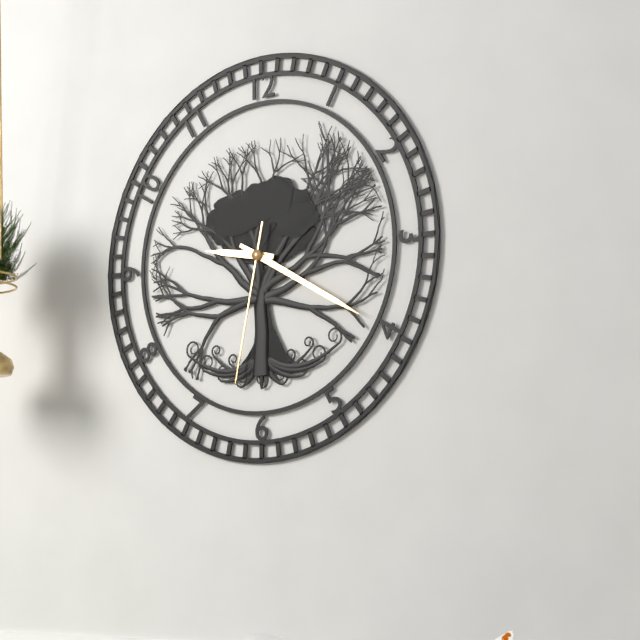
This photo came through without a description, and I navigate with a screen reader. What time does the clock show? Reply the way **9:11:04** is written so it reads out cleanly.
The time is **9:20:32**
